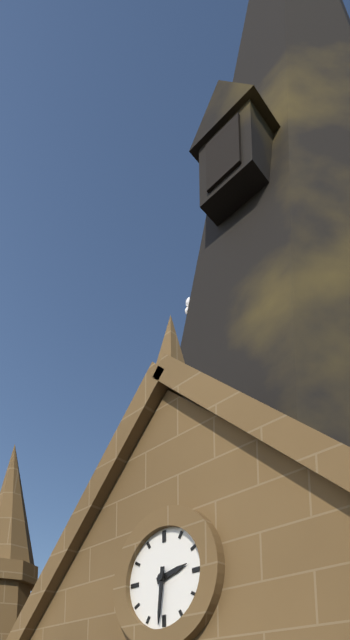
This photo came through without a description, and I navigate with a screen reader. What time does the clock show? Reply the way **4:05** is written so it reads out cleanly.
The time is **2:31**
